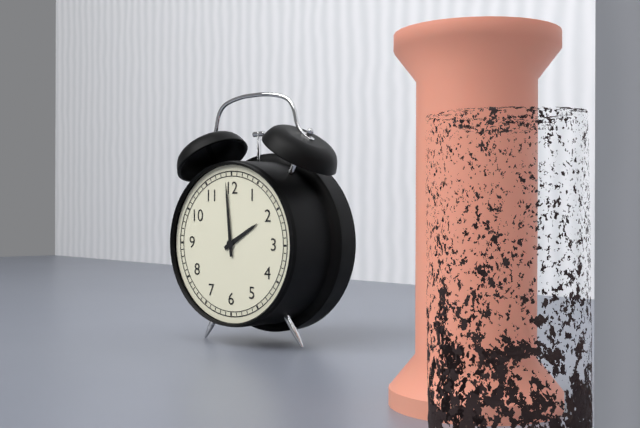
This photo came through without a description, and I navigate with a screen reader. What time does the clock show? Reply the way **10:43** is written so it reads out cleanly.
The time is **1:59**
